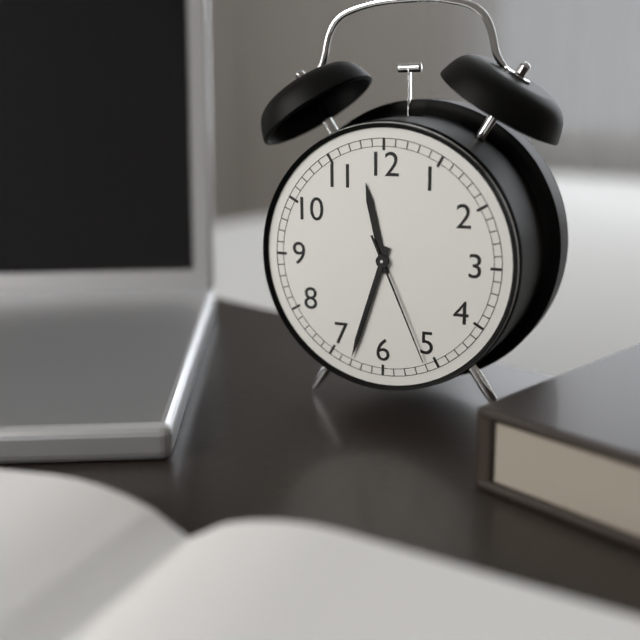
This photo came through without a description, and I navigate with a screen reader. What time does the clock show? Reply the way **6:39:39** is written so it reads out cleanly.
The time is **11:33:26**
